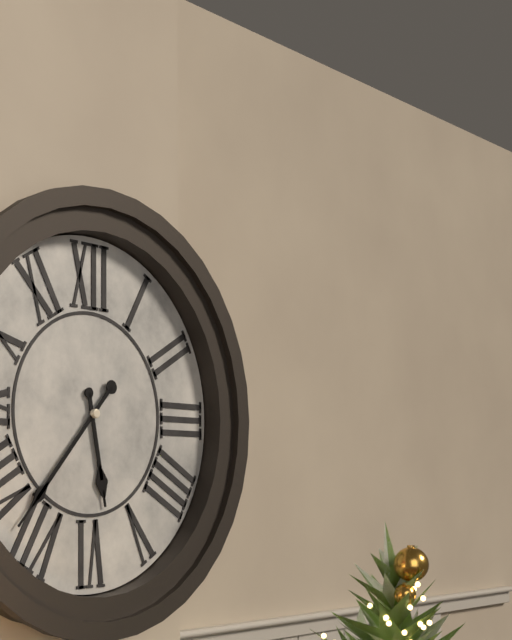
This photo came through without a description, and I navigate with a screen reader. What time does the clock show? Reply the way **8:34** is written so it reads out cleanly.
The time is **5:37**
